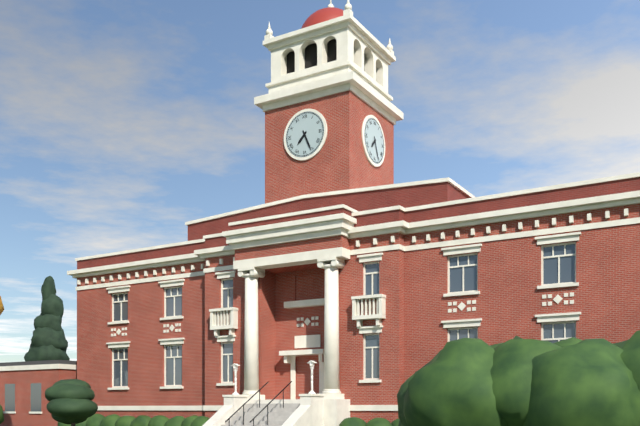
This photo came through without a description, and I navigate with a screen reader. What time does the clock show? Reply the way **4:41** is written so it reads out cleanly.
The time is **7:26**
